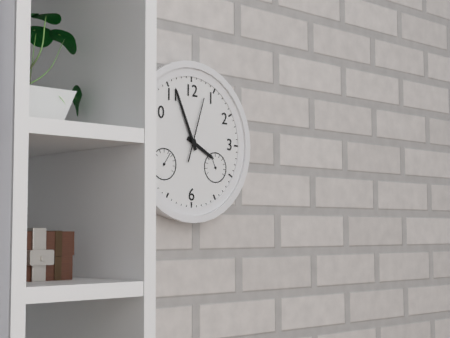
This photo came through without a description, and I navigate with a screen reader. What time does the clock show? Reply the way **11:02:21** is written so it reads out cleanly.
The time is **3:56:03**
